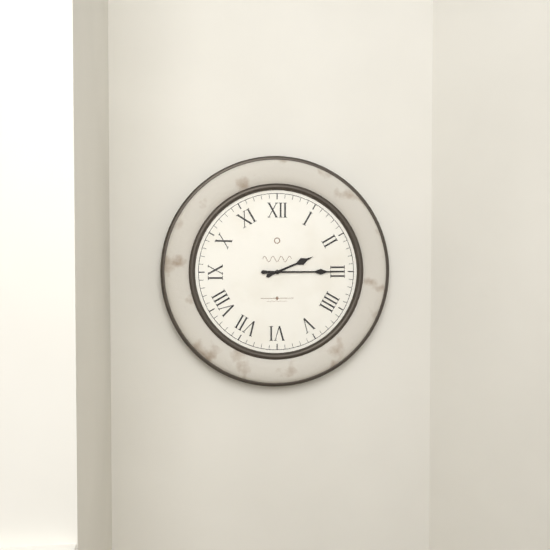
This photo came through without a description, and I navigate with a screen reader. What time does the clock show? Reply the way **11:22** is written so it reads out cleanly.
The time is **2:15**
